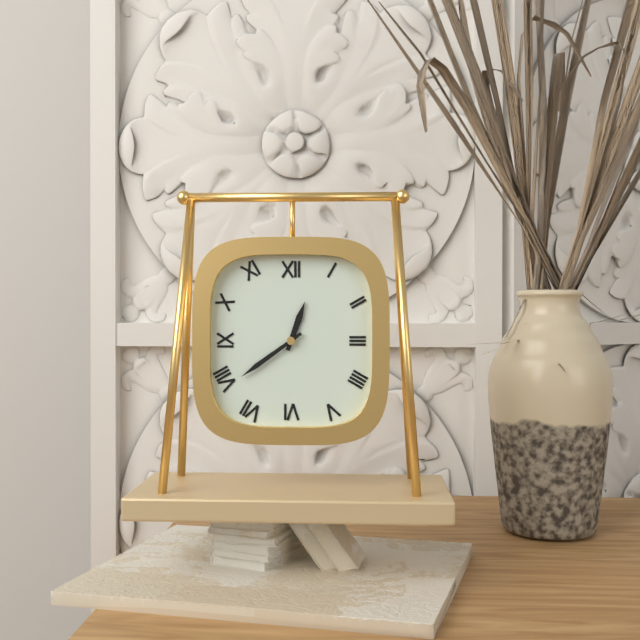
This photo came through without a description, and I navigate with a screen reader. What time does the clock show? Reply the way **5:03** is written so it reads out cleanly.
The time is **12:39**
